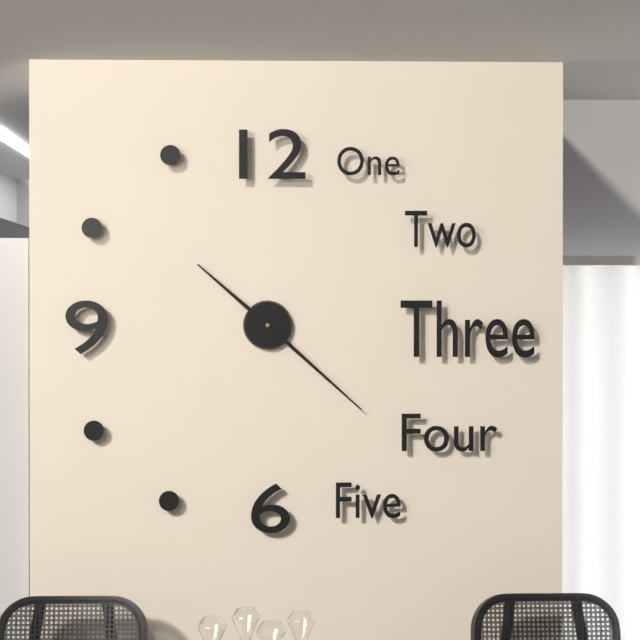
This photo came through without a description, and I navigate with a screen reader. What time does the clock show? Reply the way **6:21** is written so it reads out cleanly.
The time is **10:22**
